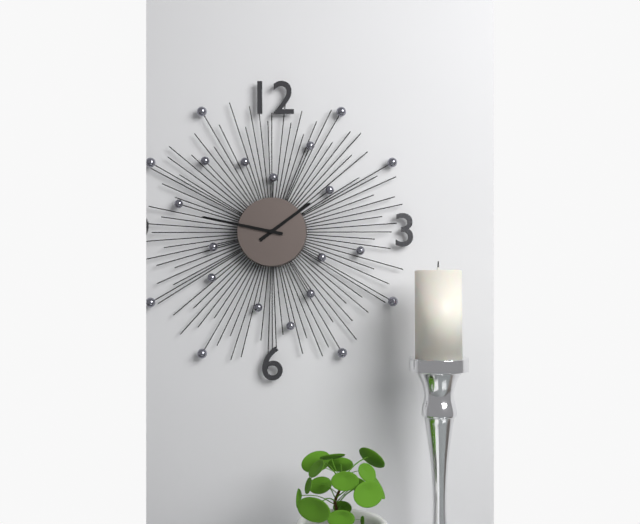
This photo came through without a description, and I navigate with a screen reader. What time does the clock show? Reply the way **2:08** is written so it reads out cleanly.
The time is **1:47**
